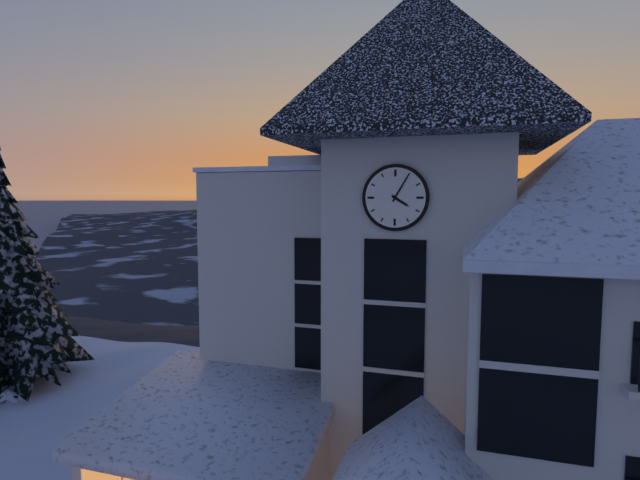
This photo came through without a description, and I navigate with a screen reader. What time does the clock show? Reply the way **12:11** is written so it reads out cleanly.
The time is **4:05**
